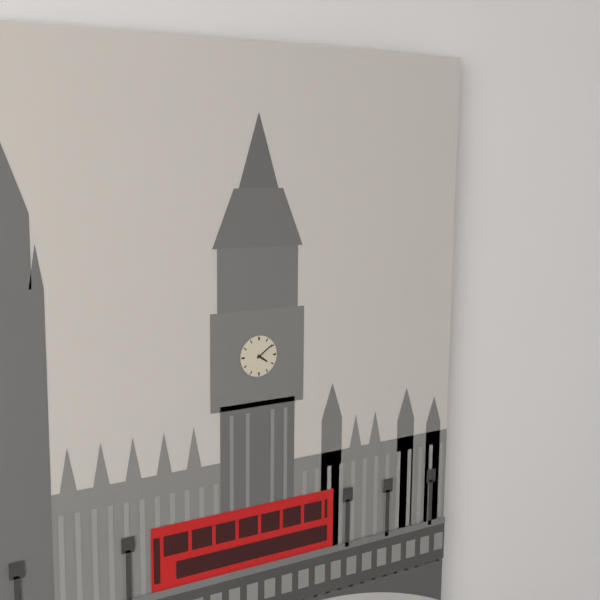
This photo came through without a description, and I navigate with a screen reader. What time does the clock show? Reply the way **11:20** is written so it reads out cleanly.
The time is **4:09**
